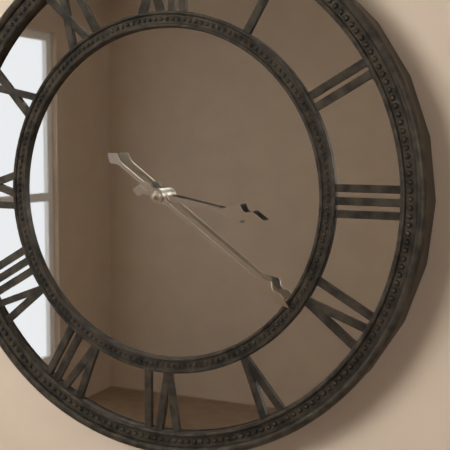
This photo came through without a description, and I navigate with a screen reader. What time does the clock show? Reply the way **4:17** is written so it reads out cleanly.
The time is **3:21**
